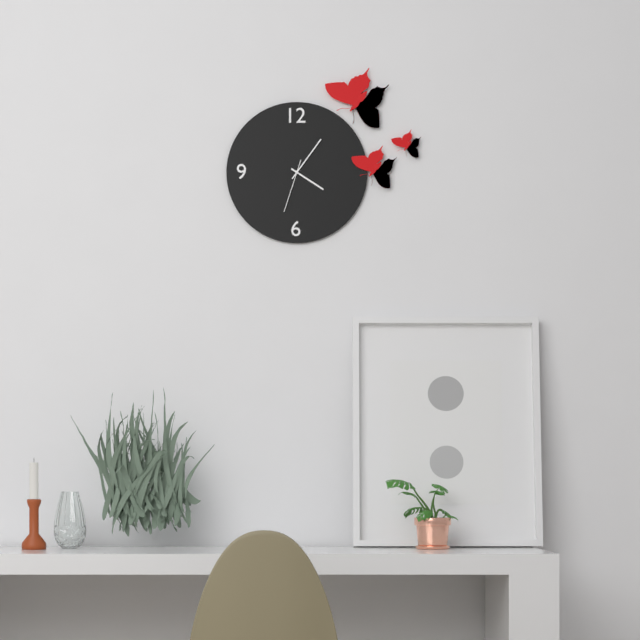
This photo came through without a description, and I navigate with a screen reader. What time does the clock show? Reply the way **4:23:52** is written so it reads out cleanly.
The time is **4:06:33**
